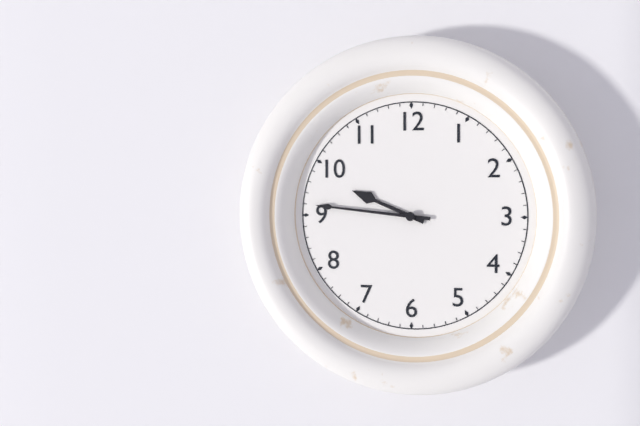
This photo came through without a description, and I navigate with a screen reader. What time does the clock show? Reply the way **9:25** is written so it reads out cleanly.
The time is **9:46**
